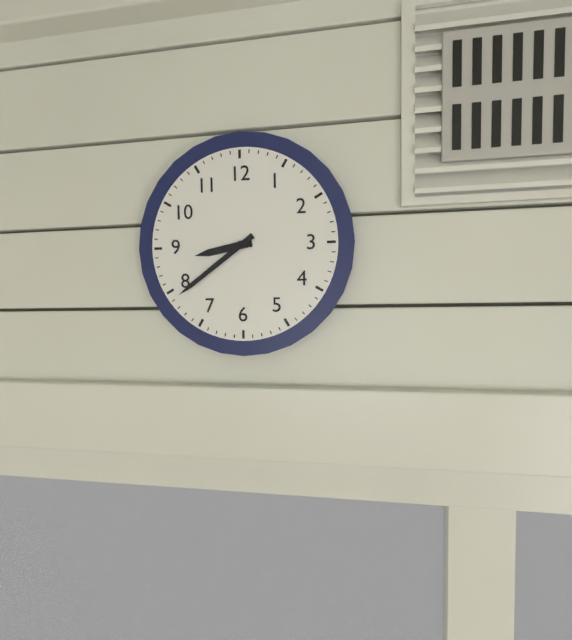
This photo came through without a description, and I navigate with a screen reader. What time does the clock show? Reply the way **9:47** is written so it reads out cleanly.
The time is **8:39**
